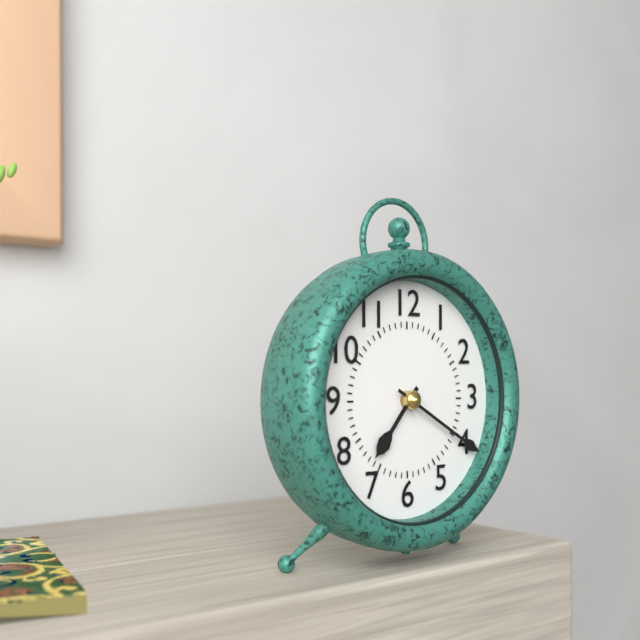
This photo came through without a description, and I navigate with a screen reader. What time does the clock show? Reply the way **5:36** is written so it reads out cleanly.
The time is **7:20**
